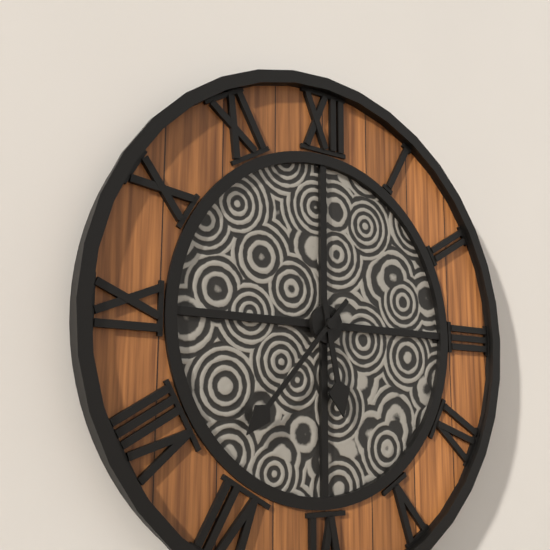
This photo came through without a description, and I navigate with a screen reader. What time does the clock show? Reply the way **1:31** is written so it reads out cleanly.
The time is **5:37**
